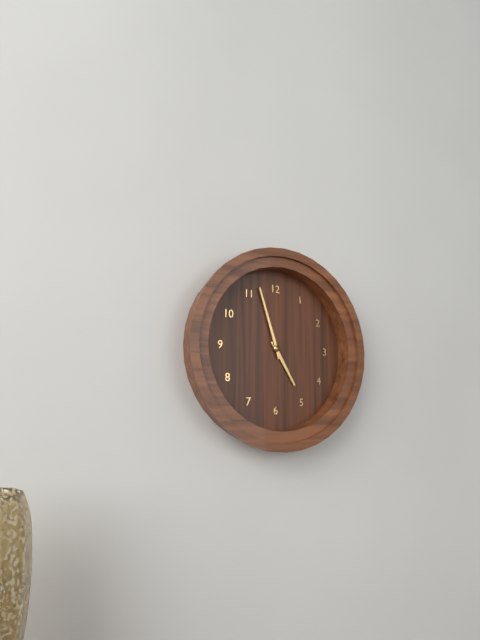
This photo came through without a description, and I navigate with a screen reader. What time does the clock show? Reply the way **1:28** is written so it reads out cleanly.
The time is **4:57**
